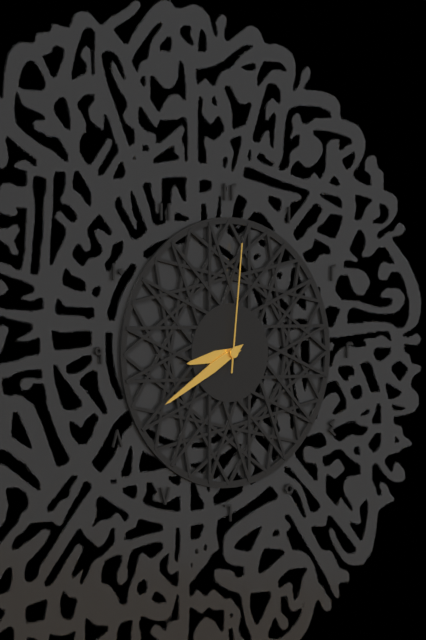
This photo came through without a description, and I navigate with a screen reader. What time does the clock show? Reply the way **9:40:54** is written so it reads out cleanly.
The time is **8:40:01**
